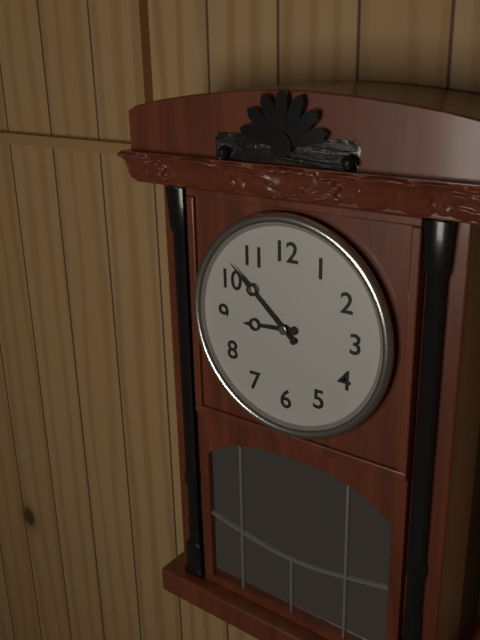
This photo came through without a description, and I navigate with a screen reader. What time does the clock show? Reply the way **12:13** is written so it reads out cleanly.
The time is **8:52**
